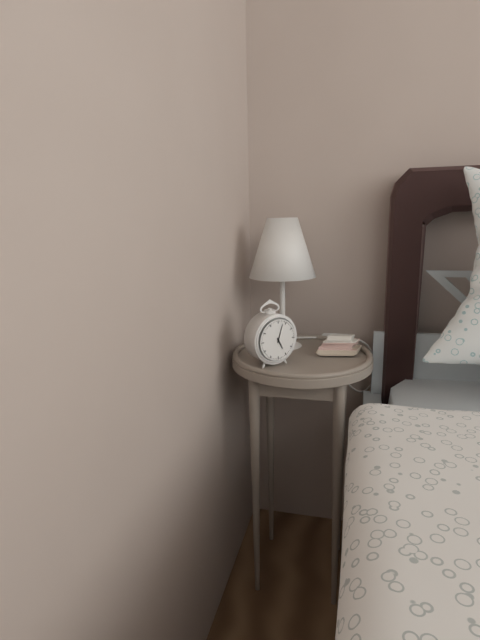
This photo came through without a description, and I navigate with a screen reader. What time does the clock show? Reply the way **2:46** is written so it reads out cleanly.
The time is **5:03**
